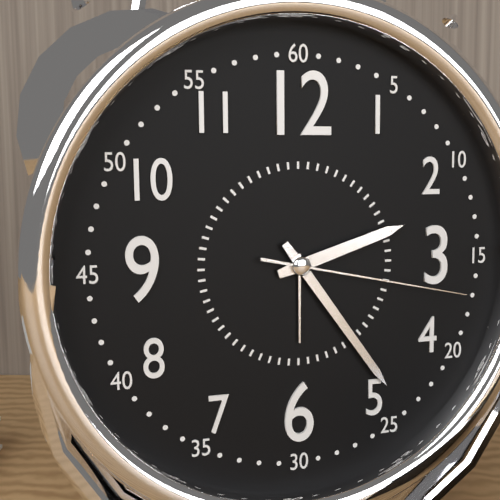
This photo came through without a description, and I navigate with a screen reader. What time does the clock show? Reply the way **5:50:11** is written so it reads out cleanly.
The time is **2:24:17**
